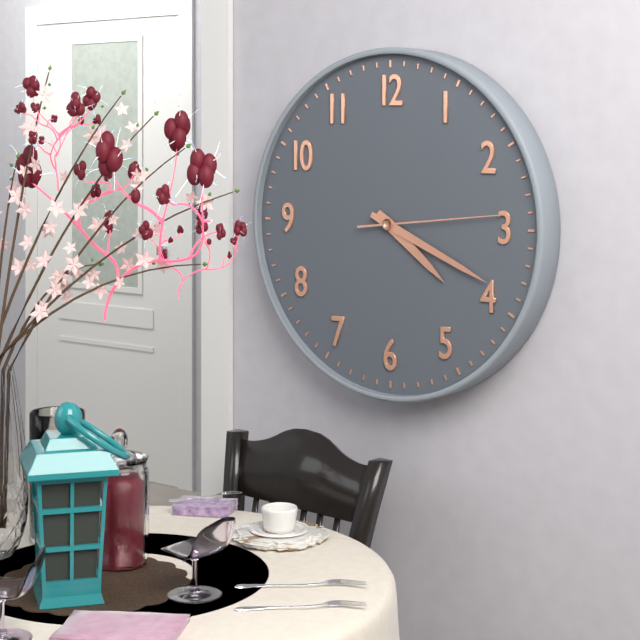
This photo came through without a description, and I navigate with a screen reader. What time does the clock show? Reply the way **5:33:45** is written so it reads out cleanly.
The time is **4:19:14**
